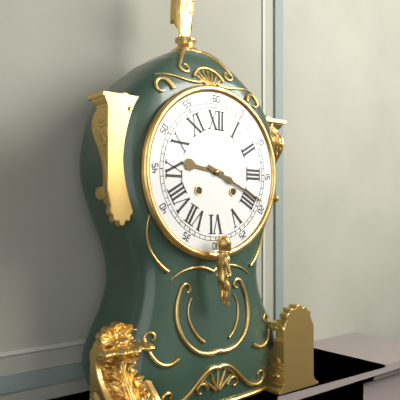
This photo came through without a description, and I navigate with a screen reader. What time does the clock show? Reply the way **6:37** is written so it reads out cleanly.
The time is **9:19**
